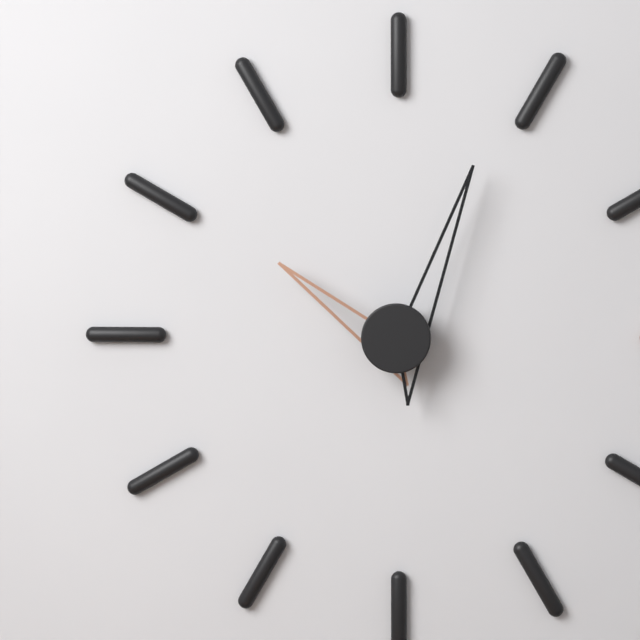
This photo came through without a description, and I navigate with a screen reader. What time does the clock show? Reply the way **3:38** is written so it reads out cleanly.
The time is **10:04**
